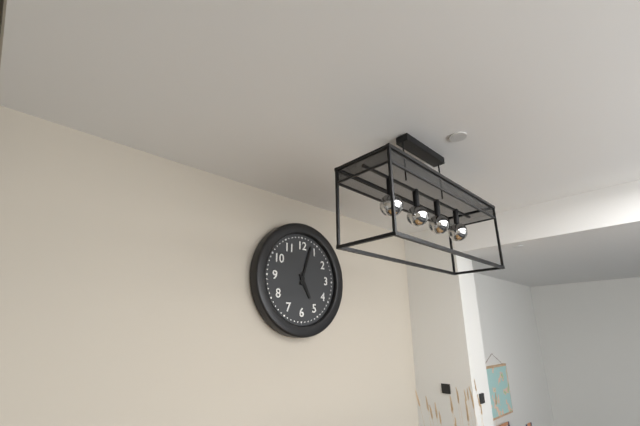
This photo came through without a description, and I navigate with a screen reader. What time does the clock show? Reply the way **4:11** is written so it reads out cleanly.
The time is **5:03**
